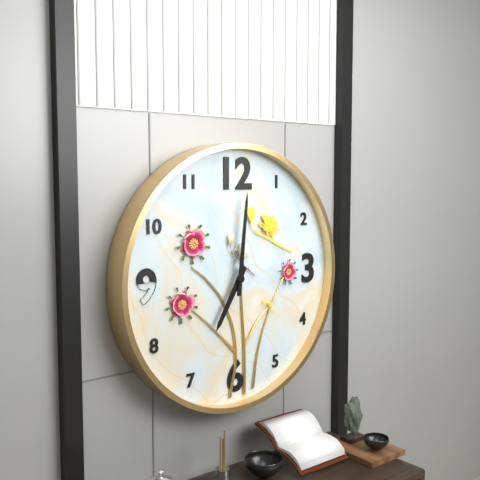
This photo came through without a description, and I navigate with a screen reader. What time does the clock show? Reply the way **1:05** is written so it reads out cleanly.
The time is **7:01**
